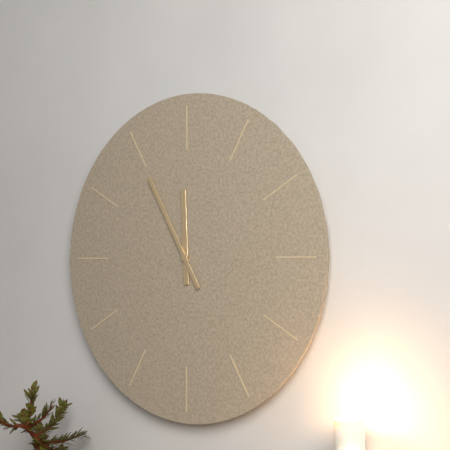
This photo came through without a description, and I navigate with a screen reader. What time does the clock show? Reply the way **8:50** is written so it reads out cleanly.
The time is **11:55**
